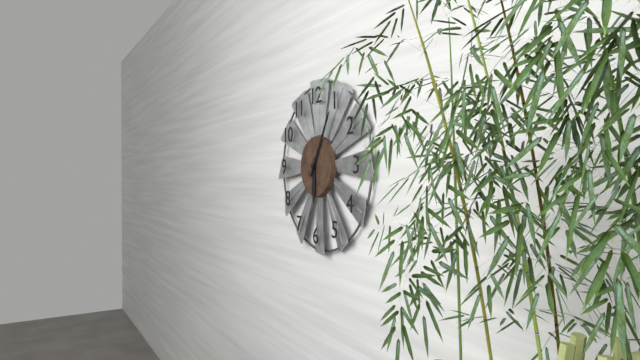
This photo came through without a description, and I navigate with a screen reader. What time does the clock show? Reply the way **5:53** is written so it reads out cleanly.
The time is **6:05**
